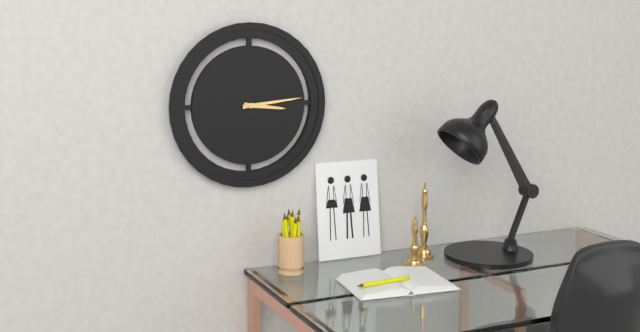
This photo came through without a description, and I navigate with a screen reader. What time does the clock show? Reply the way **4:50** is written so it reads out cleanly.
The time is **3:14**
